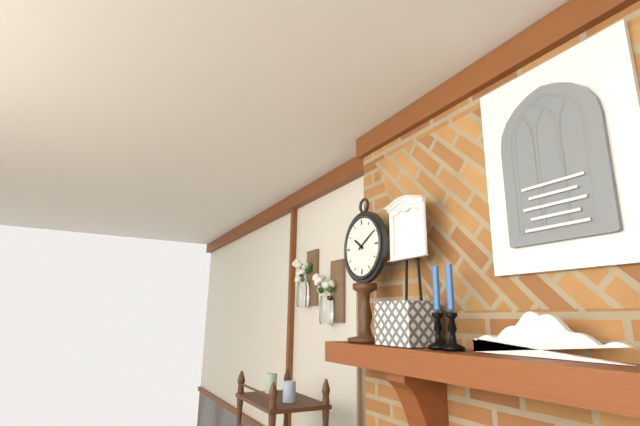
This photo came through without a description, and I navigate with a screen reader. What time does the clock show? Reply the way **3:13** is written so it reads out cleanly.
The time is **10:10**
